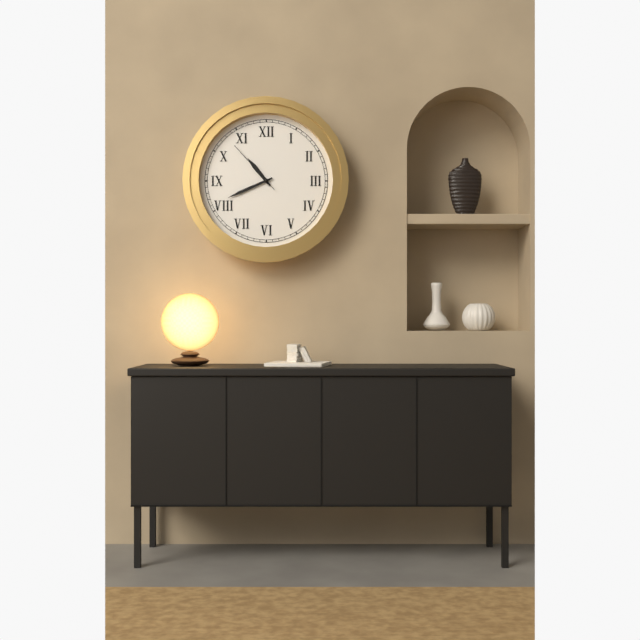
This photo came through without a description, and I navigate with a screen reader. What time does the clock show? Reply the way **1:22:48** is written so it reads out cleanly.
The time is **10:41:53**
